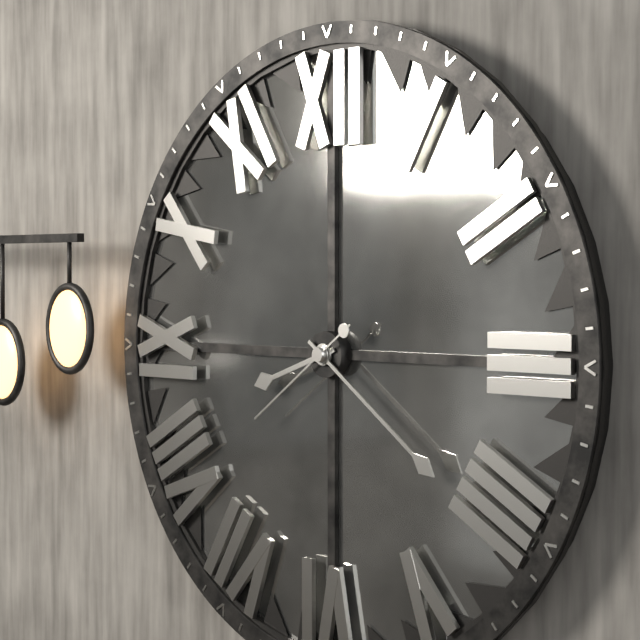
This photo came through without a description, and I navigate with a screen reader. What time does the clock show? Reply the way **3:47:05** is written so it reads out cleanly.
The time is **8:21:39**
